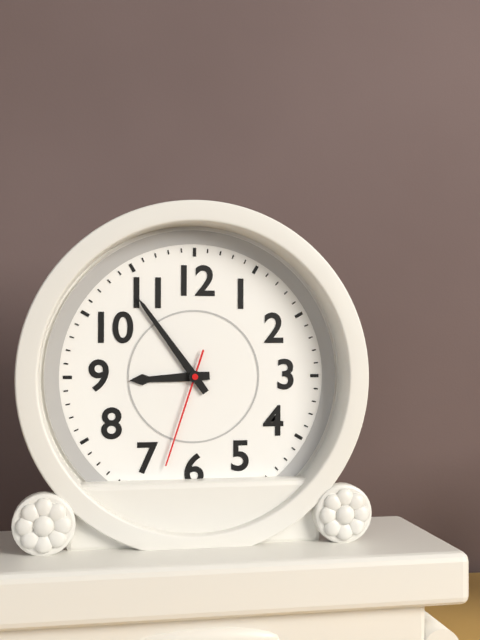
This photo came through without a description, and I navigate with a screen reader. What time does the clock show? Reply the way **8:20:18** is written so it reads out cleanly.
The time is **8:54:33**
